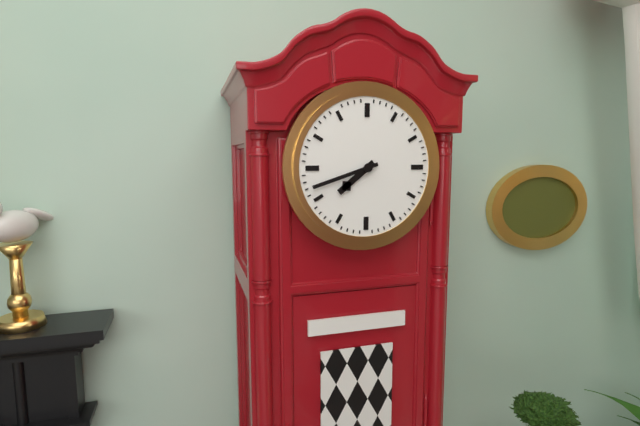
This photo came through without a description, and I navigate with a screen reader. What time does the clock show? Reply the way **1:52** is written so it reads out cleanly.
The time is **7:42**
